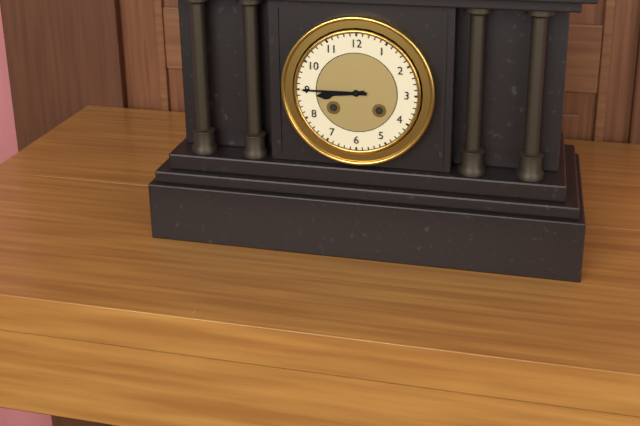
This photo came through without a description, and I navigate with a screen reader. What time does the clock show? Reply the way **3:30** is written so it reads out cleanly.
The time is **8:45**
